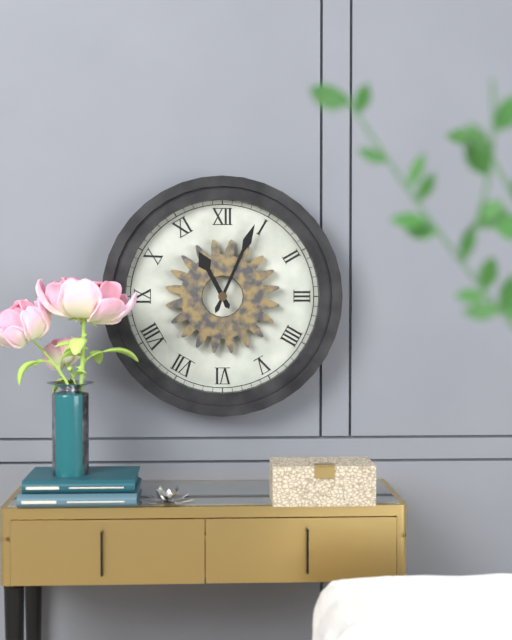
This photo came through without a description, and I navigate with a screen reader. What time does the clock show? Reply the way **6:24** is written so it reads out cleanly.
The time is **11:04**
